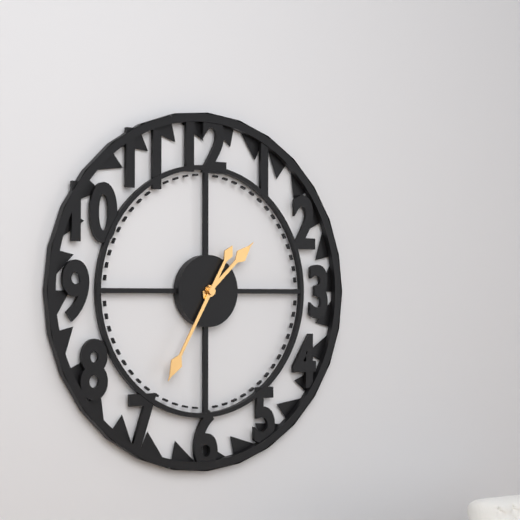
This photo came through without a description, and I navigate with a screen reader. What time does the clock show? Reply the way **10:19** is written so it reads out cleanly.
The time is **1:35**
